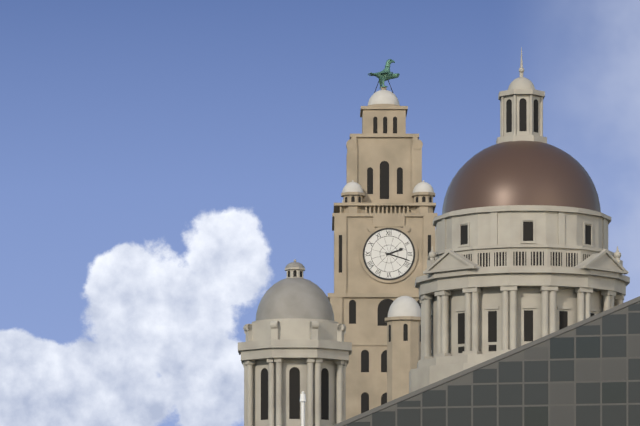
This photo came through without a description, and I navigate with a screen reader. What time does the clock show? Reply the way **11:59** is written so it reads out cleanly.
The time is **2:18**
